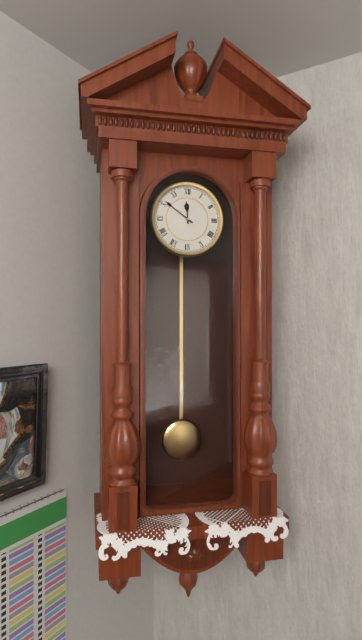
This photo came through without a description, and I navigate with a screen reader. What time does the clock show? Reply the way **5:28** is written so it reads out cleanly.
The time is **11:51**
